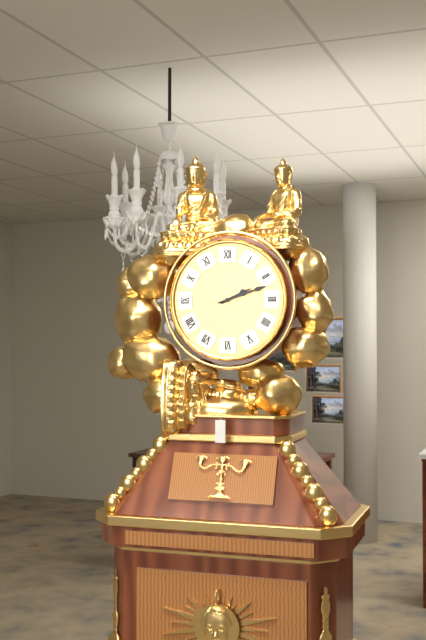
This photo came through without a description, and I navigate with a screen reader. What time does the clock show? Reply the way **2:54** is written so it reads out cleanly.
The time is **2:12**
